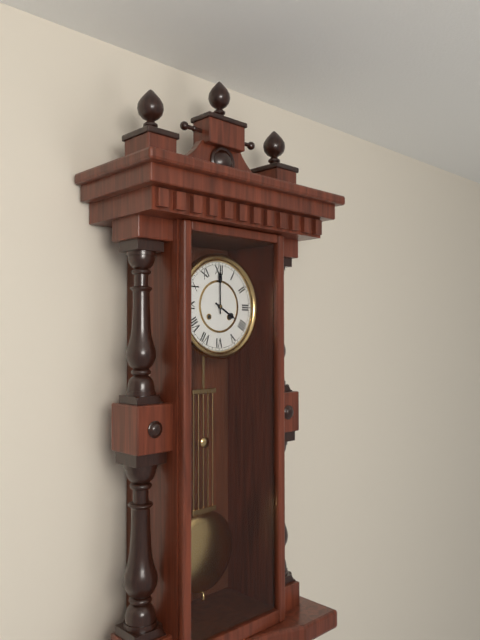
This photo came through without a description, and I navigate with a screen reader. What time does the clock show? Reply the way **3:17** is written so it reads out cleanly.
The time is **4:00**
